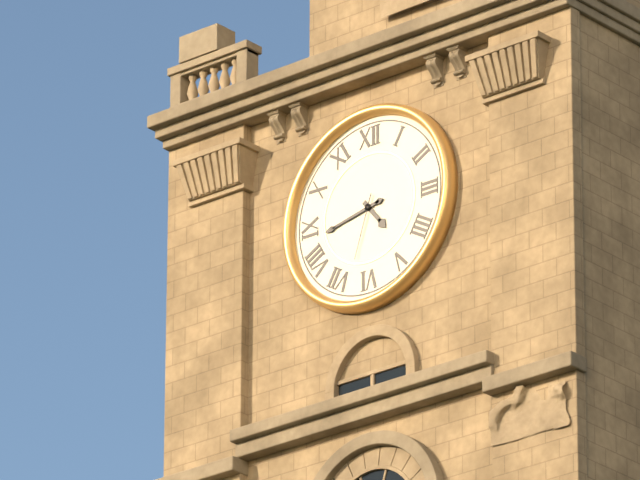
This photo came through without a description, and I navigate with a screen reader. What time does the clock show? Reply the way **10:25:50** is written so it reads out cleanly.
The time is **4:43:33**
